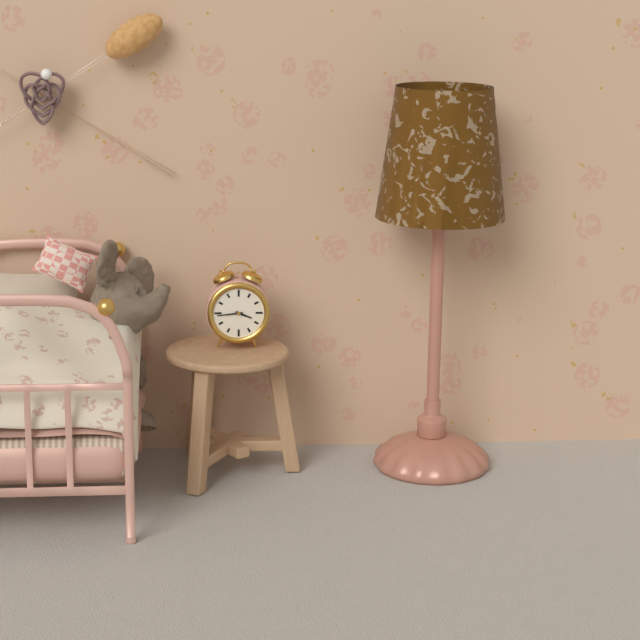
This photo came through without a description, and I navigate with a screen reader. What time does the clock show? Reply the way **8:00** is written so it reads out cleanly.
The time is **3:44**
